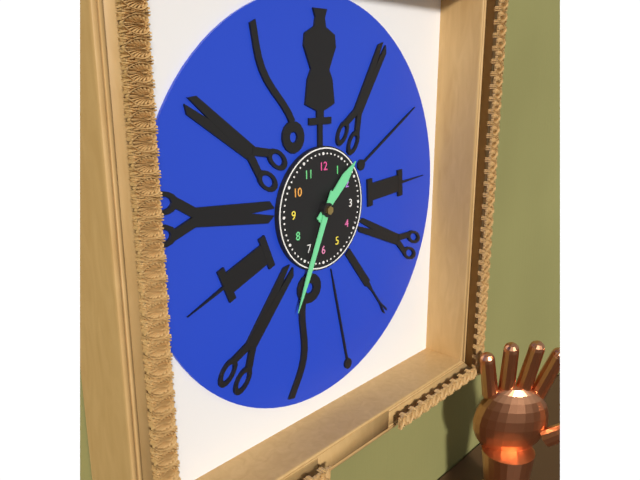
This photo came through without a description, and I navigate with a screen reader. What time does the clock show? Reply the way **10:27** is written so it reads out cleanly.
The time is **1:34**
